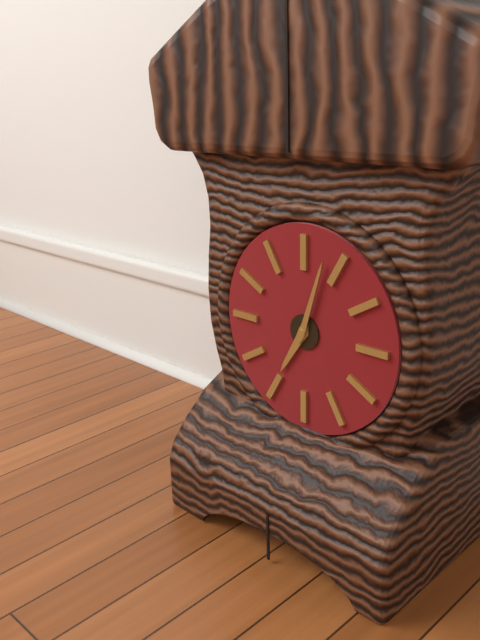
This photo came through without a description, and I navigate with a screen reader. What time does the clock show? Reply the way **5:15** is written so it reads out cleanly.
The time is **7:03**
